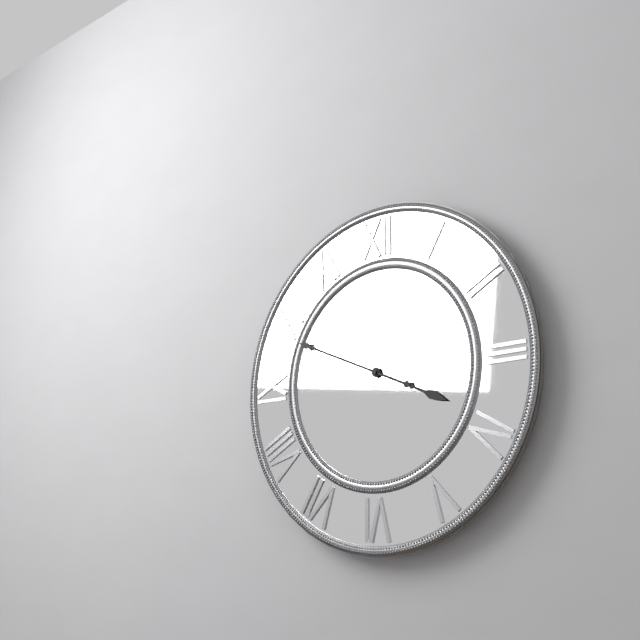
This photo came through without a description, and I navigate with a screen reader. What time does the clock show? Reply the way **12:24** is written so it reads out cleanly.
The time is **3:49**
